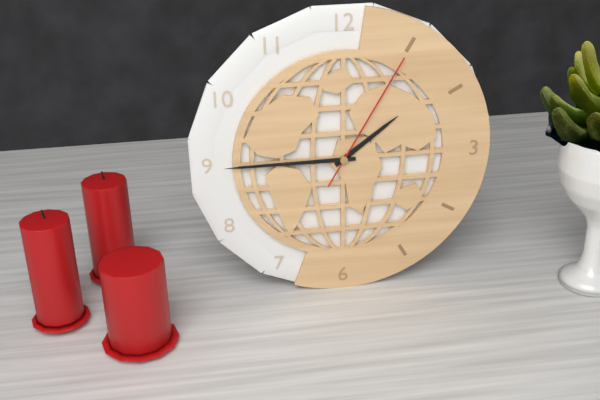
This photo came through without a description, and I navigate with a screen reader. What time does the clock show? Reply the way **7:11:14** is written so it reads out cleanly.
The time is **1:45:05**
